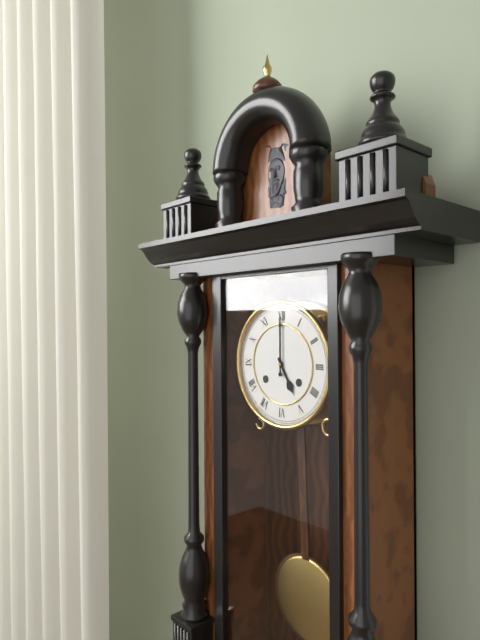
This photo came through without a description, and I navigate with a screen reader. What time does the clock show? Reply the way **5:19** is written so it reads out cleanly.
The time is **5:00**
